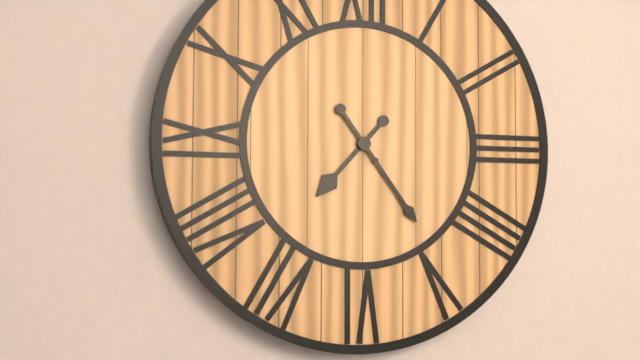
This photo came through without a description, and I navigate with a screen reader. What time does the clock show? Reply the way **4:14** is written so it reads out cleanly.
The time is **7:24**
